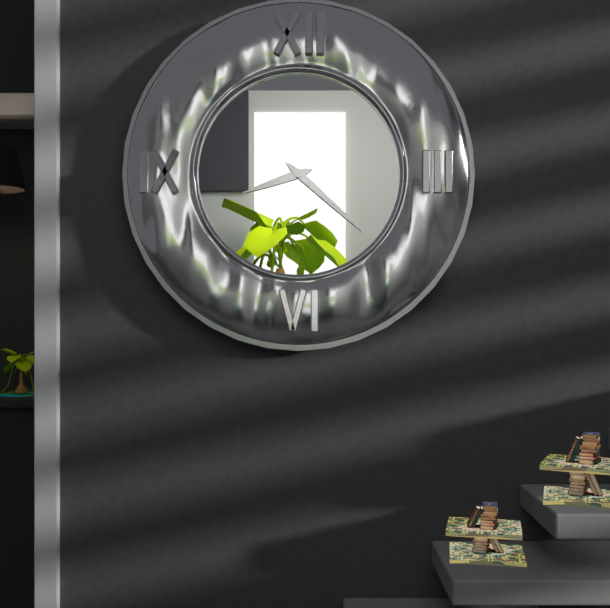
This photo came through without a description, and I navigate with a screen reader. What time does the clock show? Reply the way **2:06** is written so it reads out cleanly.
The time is **8:22**
